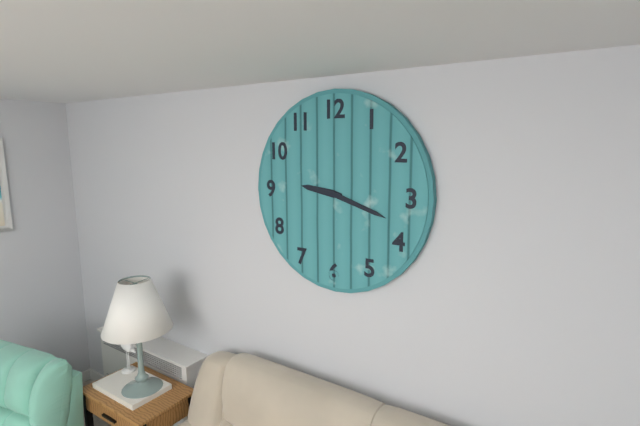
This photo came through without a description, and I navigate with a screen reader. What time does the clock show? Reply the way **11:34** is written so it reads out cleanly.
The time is **9:18**
